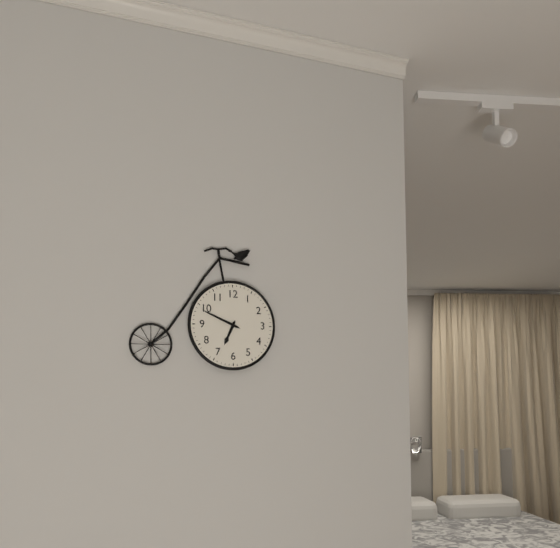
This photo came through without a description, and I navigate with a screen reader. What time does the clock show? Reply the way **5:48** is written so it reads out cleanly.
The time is **6:49**
